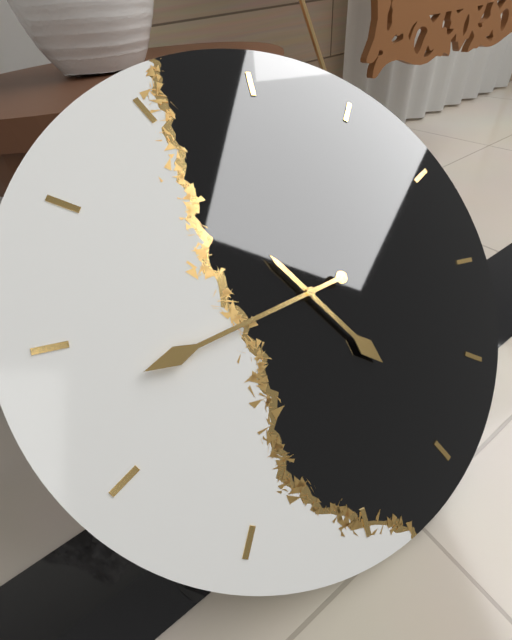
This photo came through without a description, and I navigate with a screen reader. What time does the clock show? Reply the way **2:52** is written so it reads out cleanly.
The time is **5:48**
